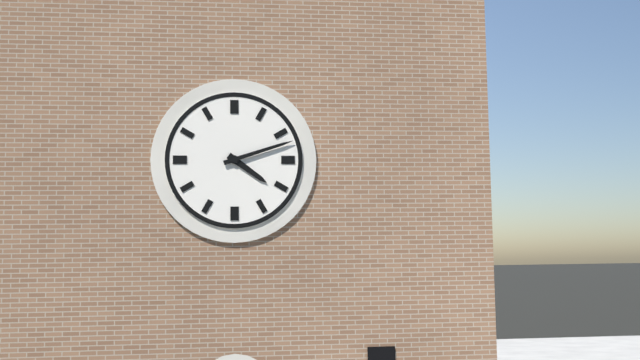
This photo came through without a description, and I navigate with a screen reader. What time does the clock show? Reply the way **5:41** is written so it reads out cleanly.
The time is **4:12**
